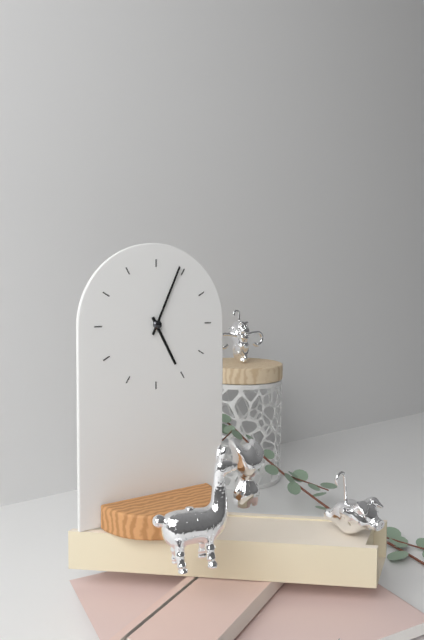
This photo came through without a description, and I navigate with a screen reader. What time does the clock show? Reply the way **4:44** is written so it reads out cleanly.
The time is **5:04**
